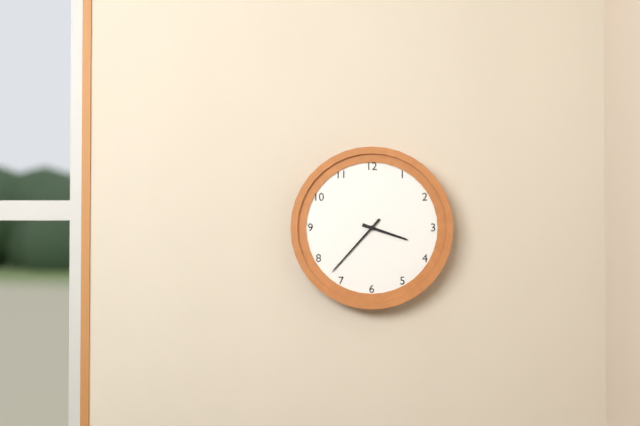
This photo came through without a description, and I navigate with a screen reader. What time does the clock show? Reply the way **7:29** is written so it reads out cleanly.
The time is **3:37**
